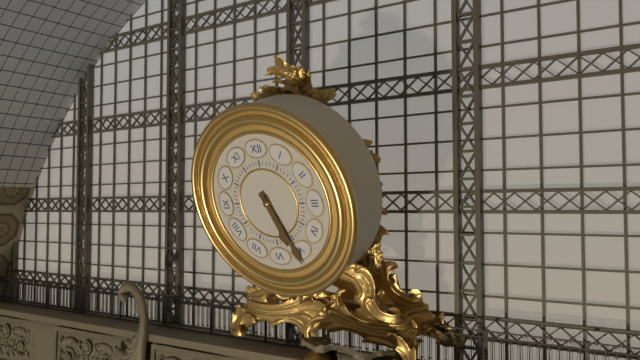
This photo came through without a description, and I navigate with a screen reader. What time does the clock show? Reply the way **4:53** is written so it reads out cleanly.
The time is **5:26**
